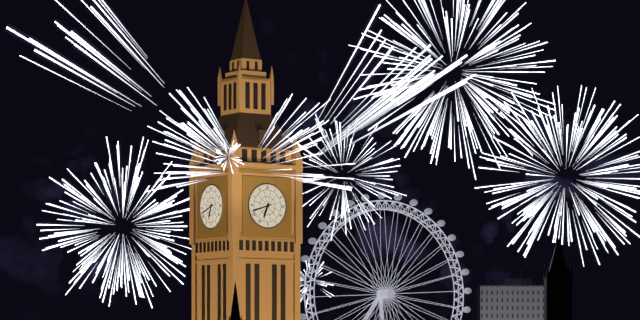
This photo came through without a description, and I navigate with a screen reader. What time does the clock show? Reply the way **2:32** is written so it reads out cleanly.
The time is **6:42**
